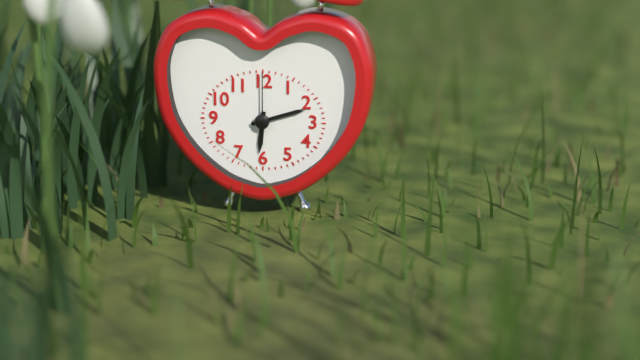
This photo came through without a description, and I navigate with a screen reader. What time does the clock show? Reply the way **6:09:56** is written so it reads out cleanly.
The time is **6:12:00**
